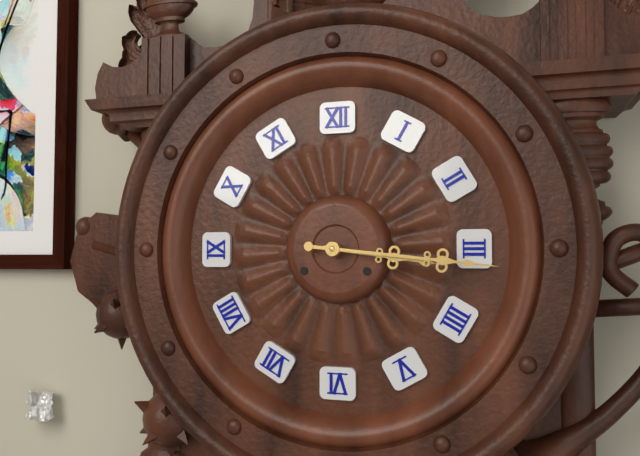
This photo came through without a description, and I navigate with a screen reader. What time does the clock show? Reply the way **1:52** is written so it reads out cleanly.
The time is **3:16**
